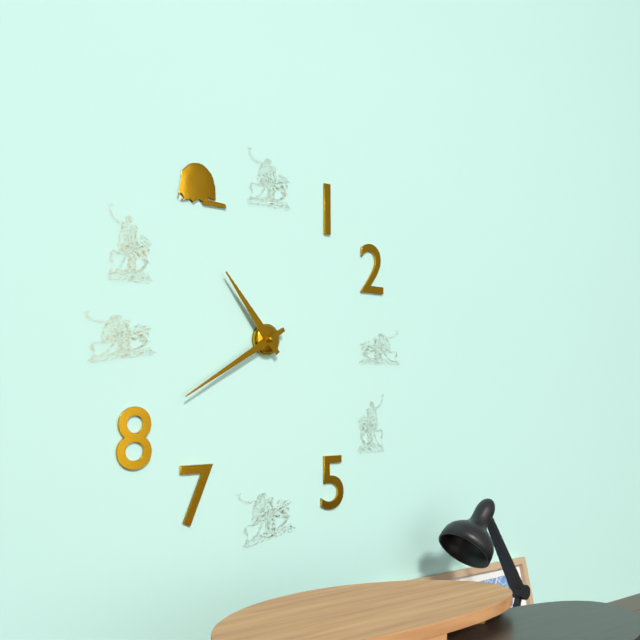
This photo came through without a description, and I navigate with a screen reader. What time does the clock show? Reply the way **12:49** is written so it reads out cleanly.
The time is **10:40**
